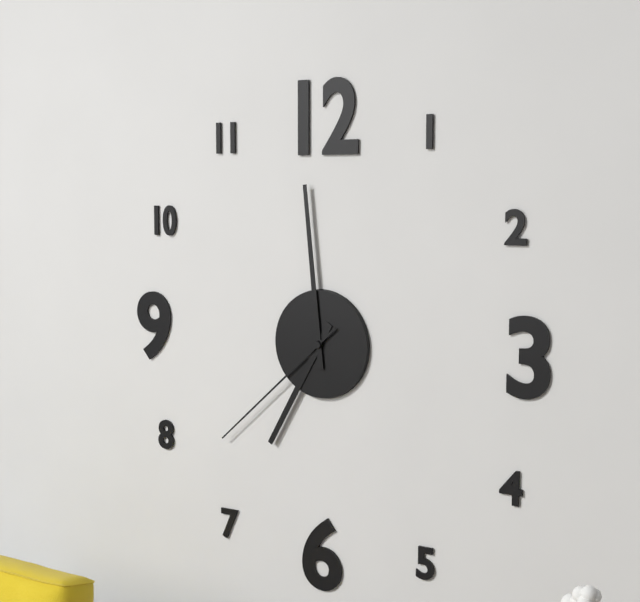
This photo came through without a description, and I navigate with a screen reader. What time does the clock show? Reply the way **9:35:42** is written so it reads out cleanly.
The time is **6:59:38**
